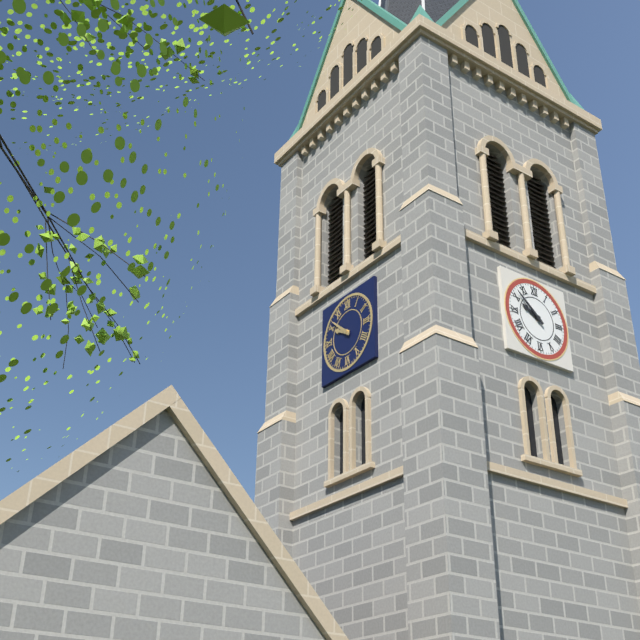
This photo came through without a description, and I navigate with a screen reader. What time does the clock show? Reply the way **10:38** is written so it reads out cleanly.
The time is **9:52**
